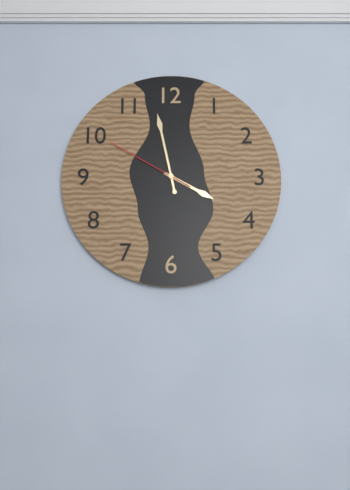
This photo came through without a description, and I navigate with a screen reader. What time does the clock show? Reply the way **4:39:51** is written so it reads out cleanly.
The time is **3:58:50**
